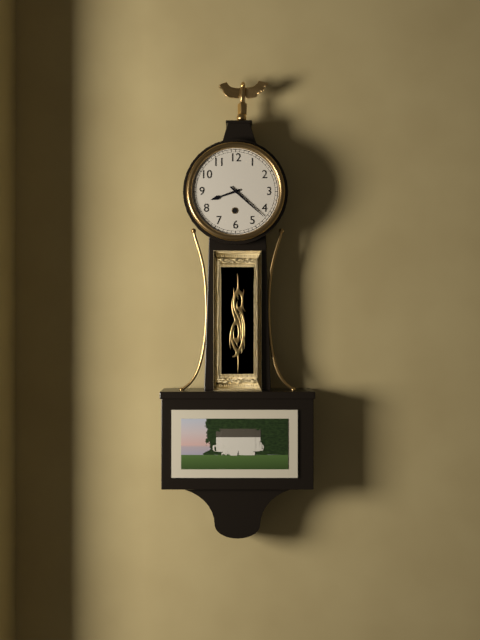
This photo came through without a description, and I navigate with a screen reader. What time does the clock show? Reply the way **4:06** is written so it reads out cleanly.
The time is **8:22**
